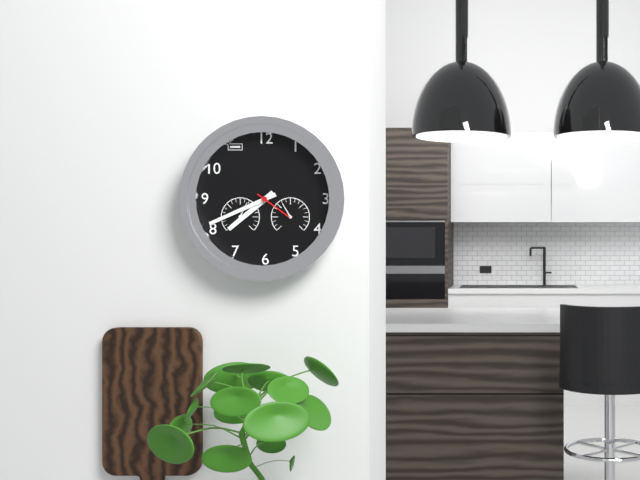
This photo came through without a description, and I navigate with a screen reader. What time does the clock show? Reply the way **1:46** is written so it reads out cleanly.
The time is **7:41**
